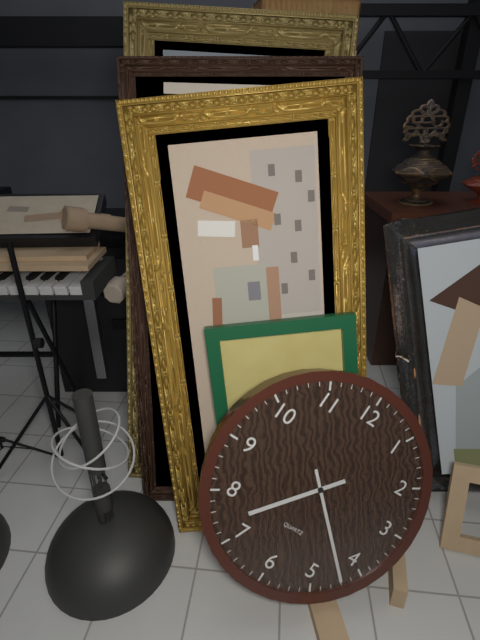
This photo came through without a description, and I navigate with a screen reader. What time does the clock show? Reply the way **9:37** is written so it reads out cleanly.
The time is **7:22**
